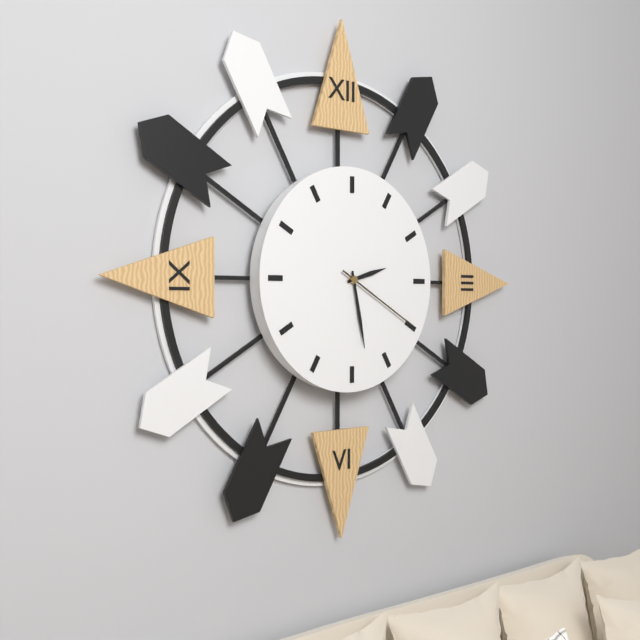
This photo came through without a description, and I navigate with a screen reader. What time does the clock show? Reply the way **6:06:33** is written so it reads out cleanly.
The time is **2:28:20**
